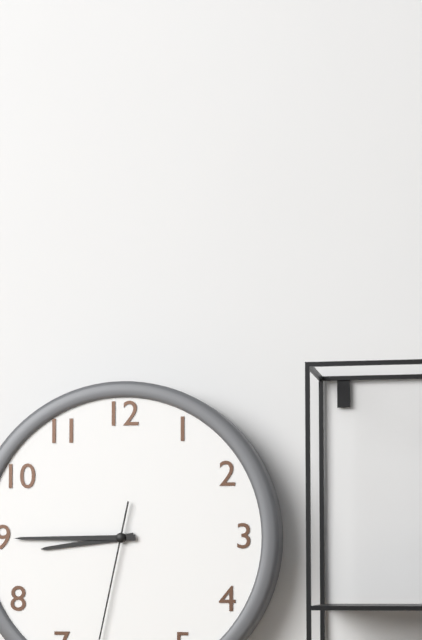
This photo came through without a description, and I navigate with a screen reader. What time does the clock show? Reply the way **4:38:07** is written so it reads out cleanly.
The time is **8:45:32**
